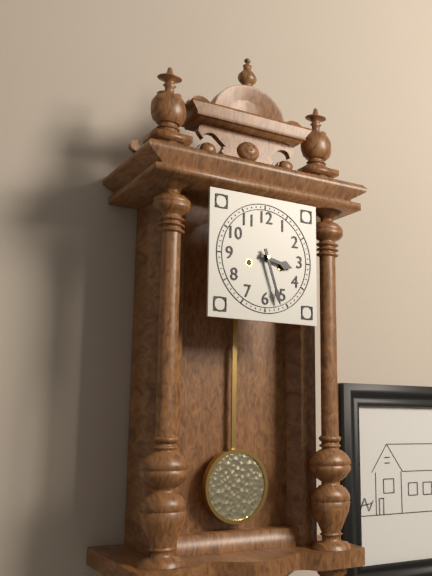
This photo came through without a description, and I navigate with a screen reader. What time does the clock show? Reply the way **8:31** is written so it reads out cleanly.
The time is **3:27**
